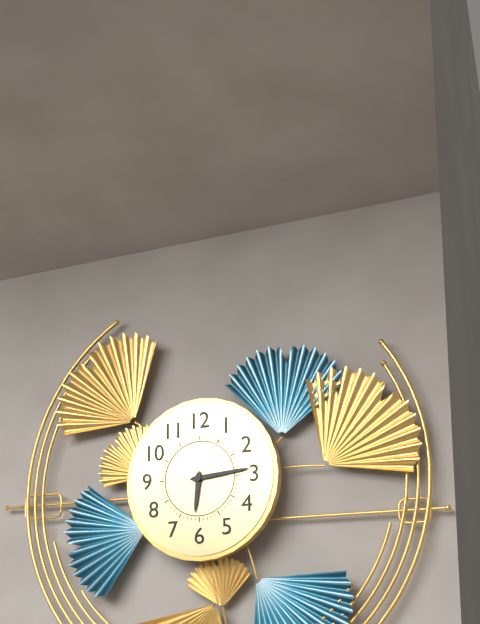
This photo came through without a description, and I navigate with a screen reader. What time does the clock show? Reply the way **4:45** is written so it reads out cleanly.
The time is **6:14**
